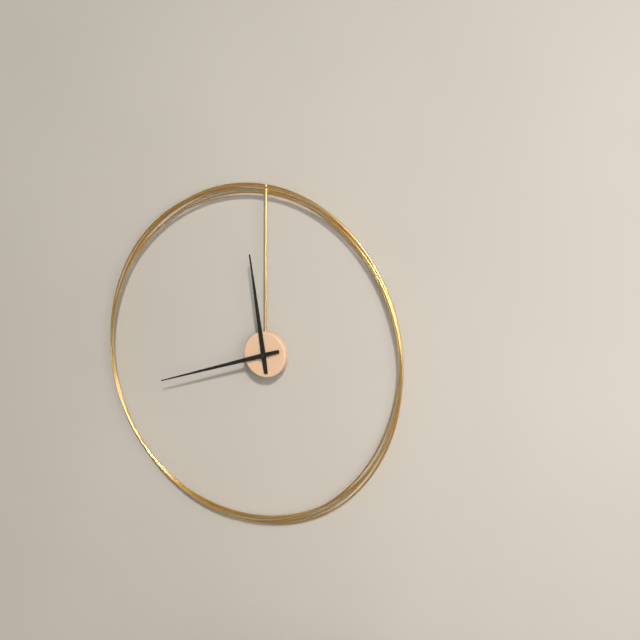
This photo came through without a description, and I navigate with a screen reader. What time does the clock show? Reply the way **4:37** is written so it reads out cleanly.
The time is **11:42**
